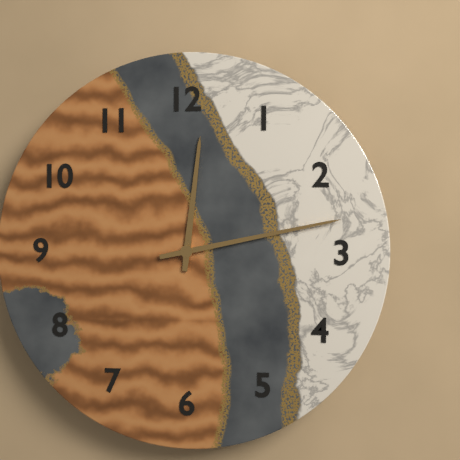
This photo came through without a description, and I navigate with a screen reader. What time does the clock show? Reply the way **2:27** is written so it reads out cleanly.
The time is **12:13**
